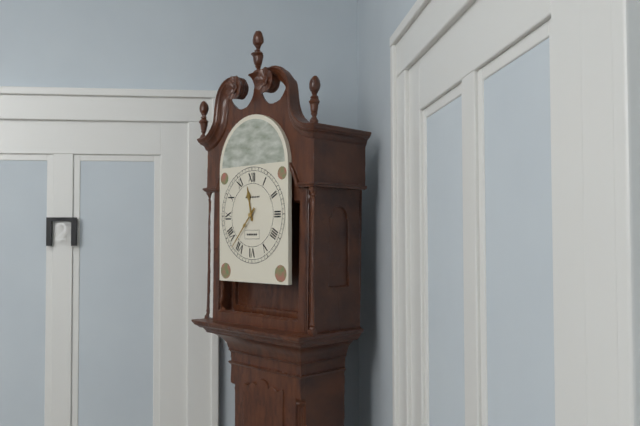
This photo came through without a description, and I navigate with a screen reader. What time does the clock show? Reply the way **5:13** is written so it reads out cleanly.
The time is **11:37**
